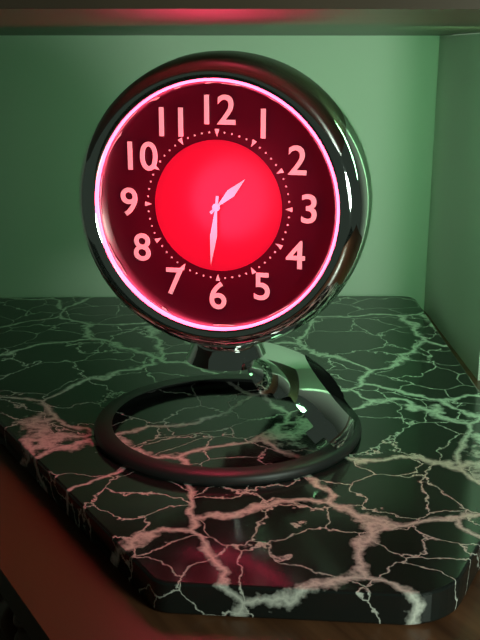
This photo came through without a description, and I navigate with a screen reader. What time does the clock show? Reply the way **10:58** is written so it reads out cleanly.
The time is **1:31**
